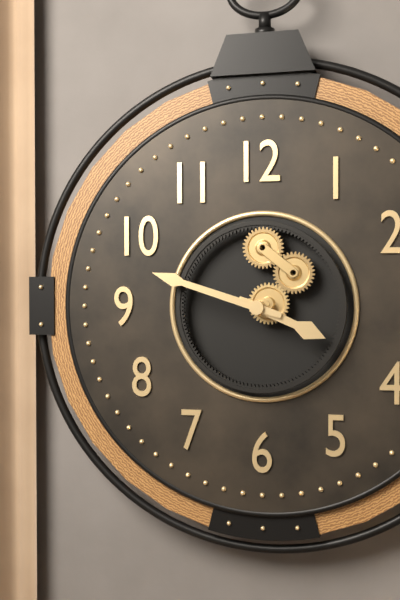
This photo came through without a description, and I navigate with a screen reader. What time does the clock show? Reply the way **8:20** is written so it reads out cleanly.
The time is **3:48**
